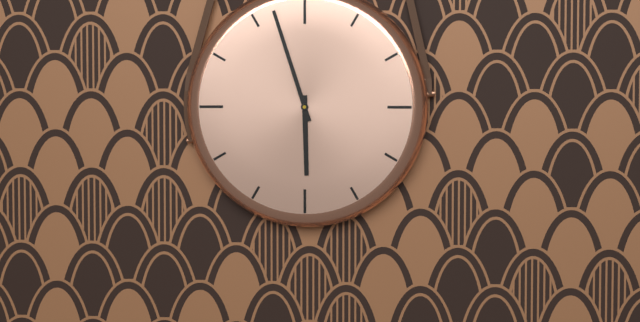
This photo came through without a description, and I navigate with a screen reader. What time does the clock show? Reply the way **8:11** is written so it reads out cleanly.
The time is **5:57**
